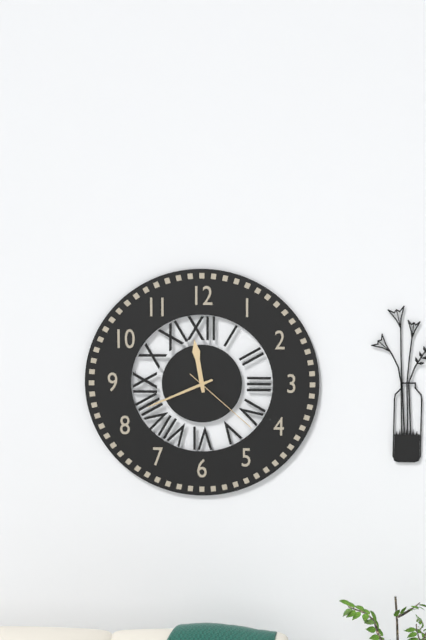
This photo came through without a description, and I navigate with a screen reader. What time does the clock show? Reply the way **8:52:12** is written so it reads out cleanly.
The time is **11:41:22**
